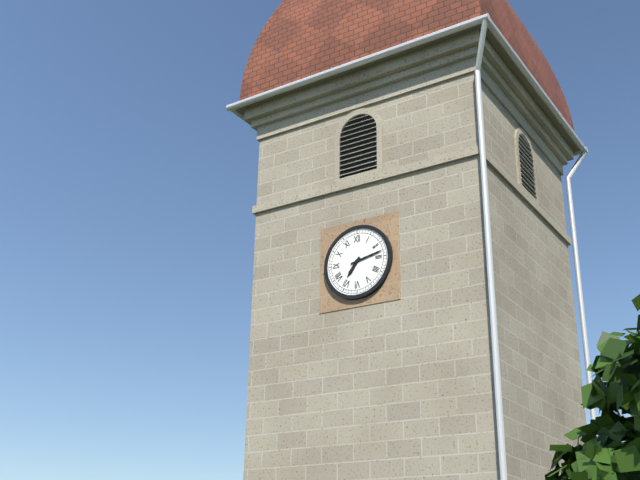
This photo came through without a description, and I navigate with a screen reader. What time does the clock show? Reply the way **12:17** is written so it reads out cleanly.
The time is **7:13**
